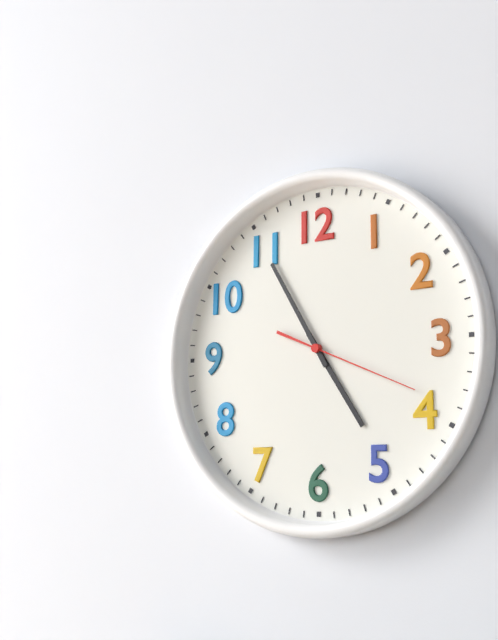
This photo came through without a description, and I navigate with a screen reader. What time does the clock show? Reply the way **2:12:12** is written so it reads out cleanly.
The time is **4:55:19**
